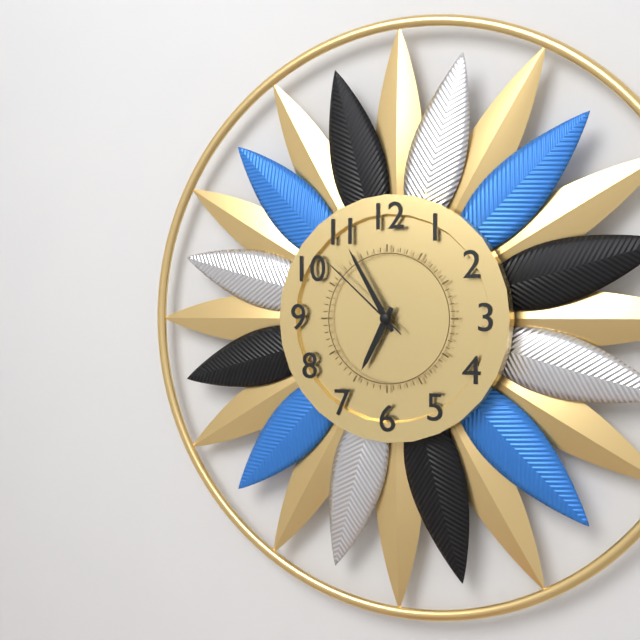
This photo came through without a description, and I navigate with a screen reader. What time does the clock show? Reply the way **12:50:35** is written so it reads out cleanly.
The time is **6:55:52**
